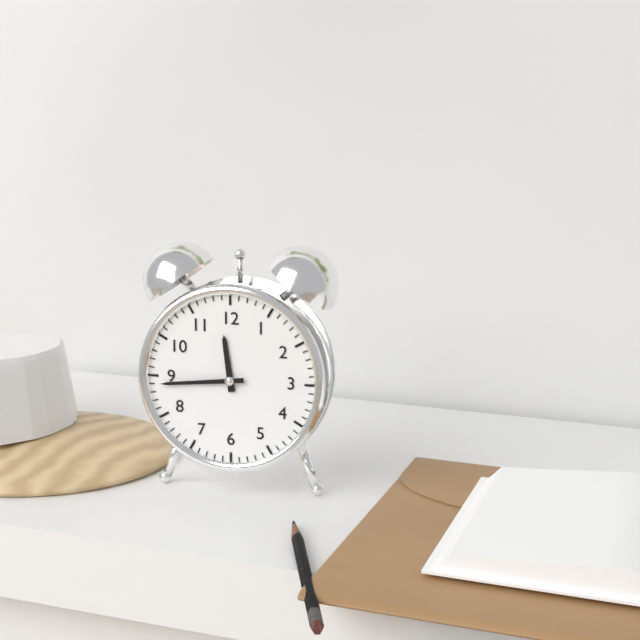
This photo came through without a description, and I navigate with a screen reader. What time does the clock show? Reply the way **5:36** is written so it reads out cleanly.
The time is **11:44**
